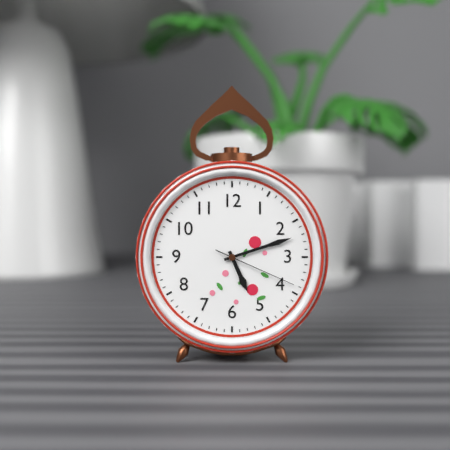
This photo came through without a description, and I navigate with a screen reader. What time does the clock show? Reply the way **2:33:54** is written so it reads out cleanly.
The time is **5:12:19**
